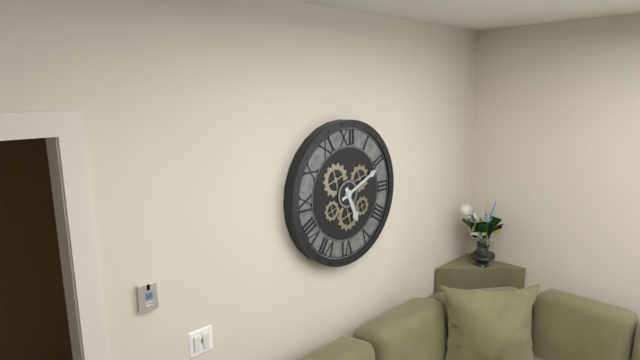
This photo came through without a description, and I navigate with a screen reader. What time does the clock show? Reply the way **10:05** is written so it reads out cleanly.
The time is **5:11**
